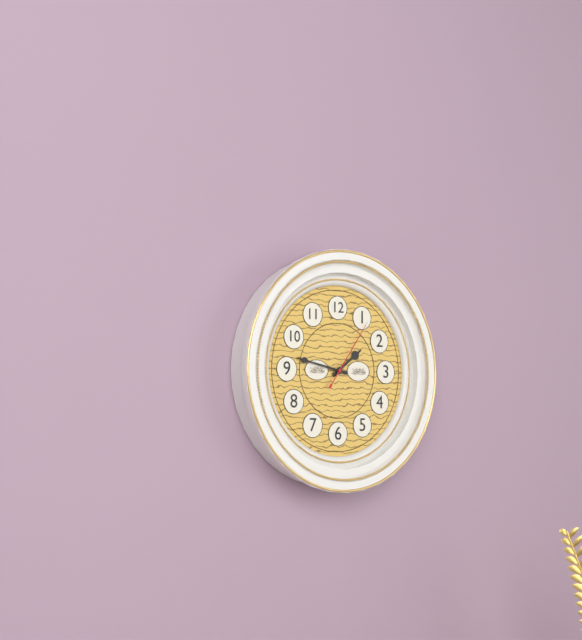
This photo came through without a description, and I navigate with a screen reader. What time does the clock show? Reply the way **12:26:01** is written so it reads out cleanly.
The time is **1:47:06**
